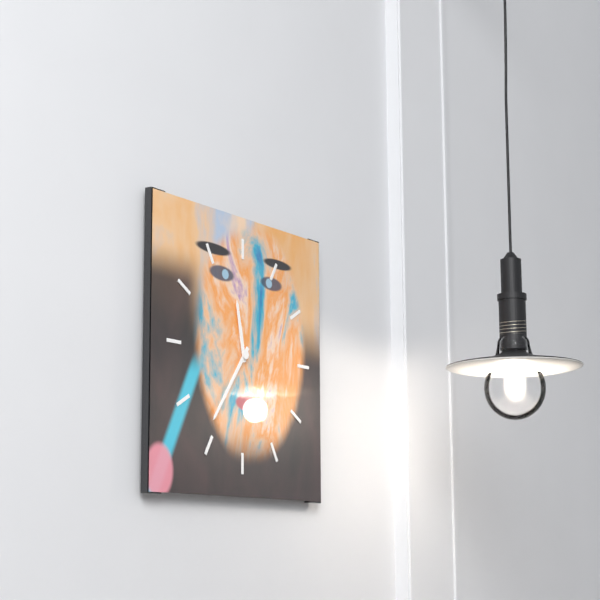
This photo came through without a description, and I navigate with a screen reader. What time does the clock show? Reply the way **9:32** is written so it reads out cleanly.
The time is **11:36**
